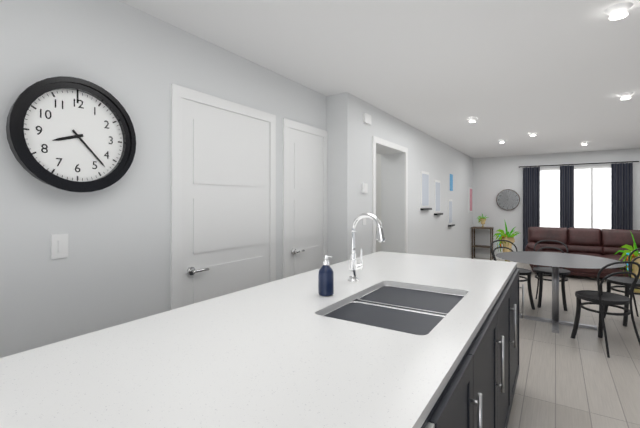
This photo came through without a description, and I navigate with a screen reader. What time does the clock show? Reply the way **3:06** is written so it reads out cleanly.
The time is **8:23**
